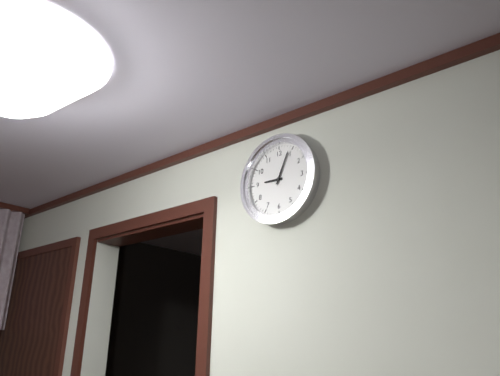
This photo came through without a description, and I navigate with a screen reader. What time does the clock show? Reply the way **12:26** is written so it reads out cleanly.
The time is **9:04**
